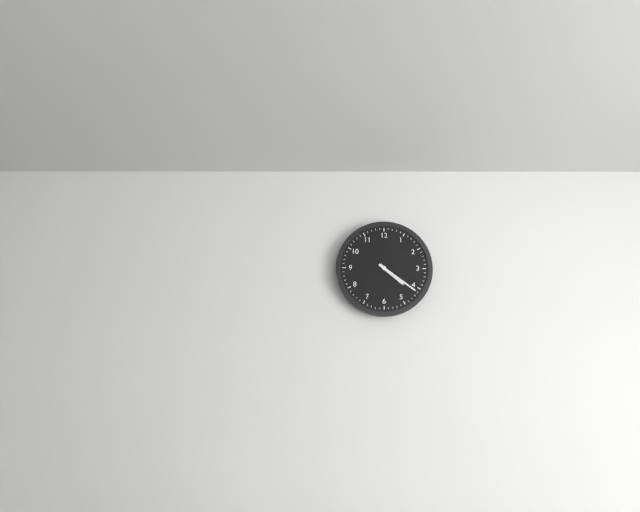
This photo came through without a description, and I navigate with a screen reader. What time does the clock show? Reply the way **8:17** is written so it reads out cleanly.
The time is **4:21**
